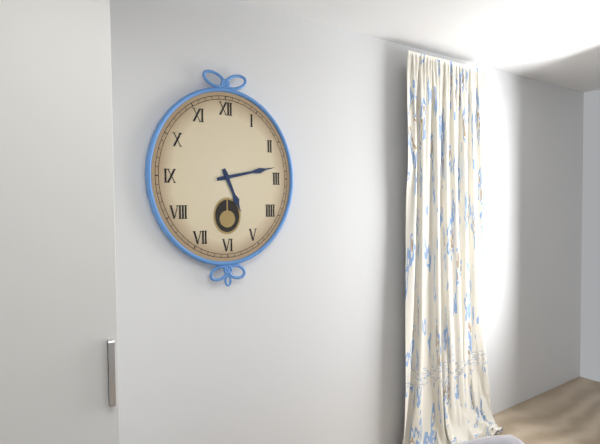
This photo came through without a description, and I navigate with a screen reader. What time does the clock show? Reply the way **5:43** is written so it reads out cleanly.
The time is **5:13**
